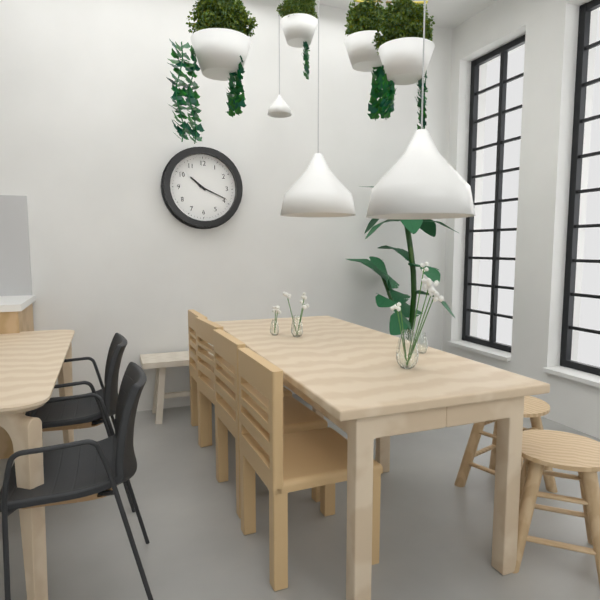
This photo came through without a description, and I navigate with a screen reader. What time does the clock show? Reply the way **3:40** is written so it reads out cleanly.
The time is **10:19**
